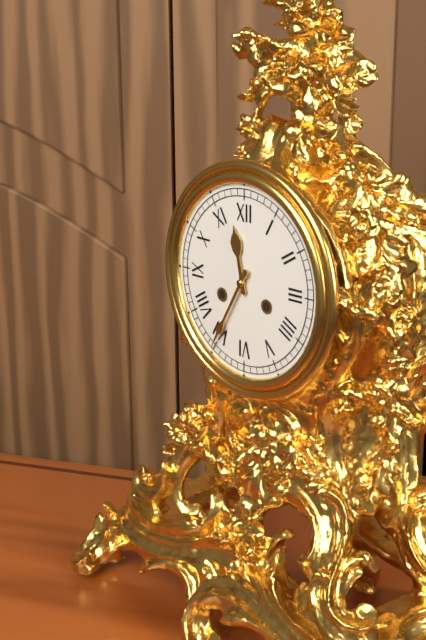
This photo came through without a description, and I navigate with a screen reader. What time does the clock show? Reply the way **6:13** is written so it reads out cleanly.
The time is **11:35**
